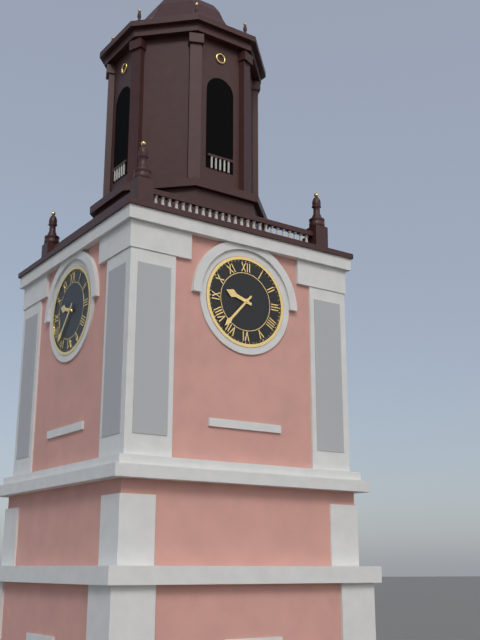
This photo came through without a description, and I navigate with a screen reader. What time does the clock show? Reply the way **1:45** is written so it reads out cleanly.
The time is **9:37**
